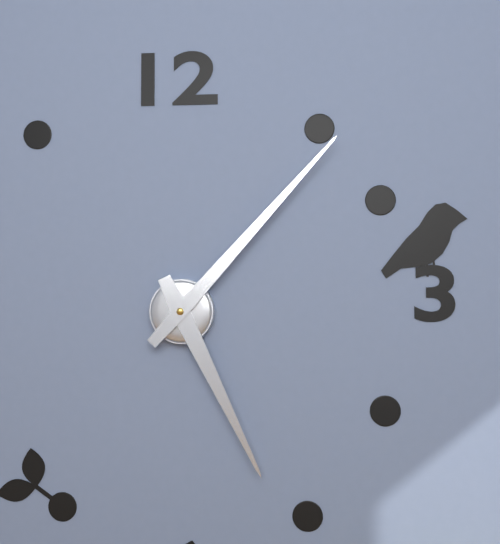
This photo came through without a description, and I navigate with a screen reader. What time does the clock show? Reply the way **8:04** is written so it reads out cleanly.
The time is **5:07**
